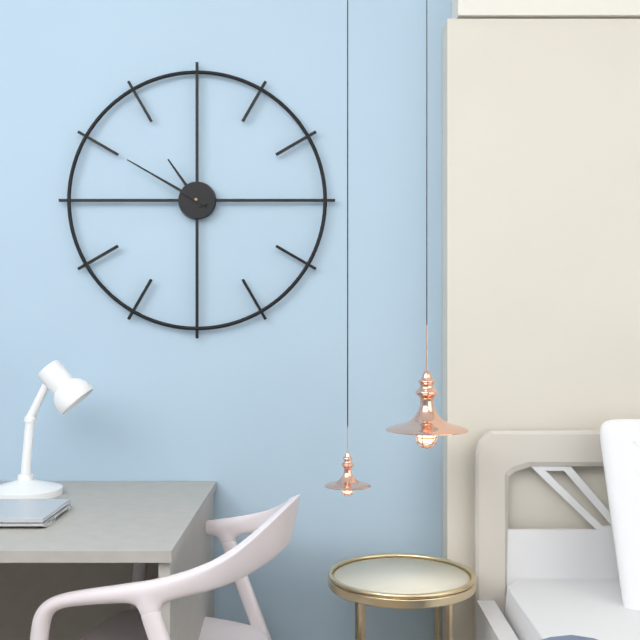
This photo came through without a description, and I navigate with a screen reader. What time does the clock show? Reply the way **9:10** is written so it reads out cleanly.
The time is **10:50**
